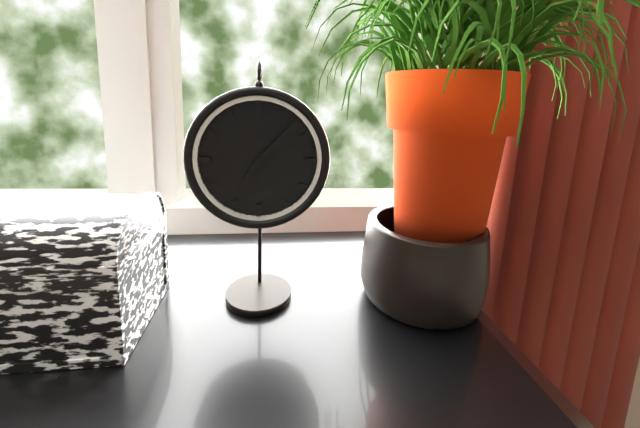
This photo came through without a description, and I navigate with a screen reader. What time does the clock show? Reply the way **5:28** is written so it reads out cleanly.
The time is **7:07**
